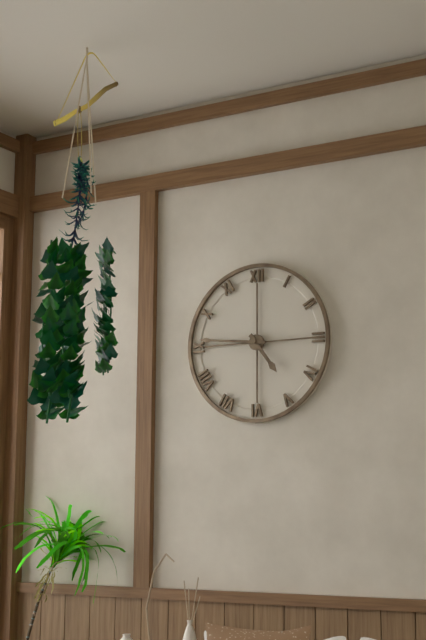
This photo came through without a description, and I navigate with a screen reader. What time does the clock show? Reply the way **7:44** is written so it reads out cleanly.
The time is **4:46**
